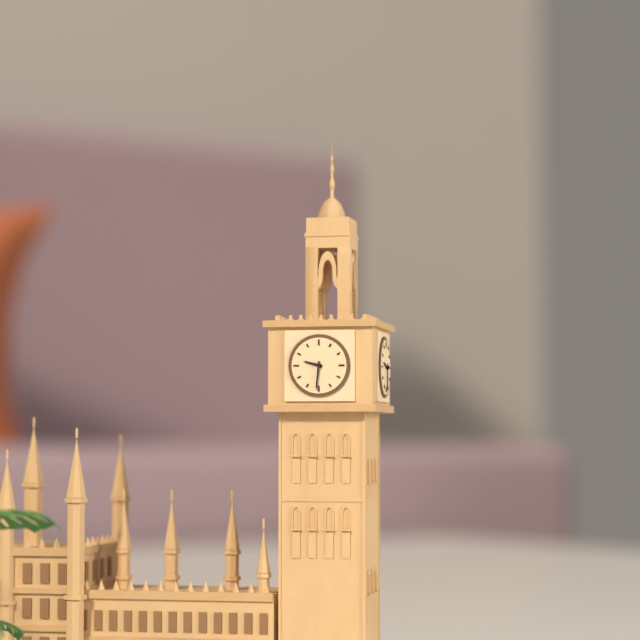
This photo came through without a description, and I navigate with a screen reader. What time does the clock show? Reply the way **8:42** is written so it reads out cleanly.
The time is **9:31**
